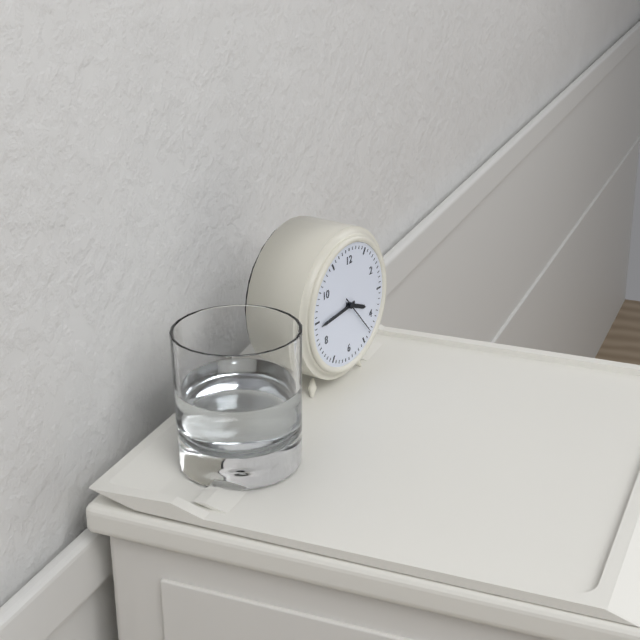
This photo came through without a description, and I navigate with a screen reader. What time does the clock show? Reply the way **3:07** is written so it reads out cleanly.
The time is **3:44**
